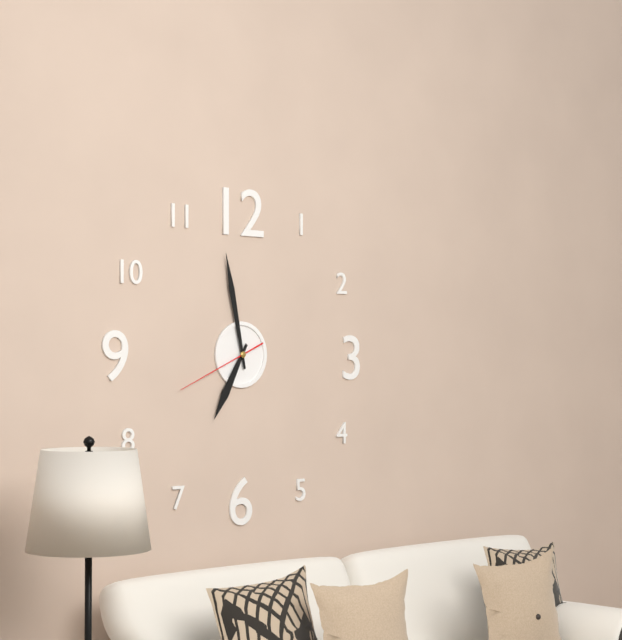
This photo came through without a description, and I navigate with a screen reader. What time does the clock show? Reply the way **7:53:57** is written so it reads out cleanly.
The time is **6:58:41**
